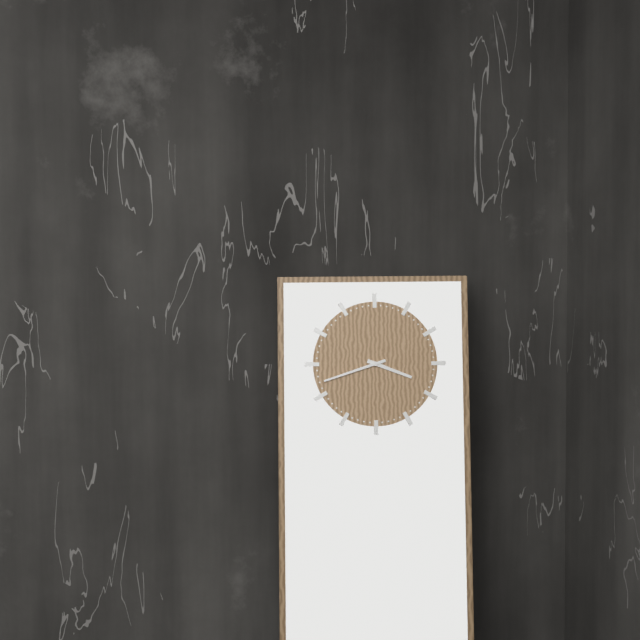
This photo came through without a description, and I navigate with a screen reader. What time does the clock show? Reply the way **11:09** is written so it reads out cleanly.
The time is **3:42**
